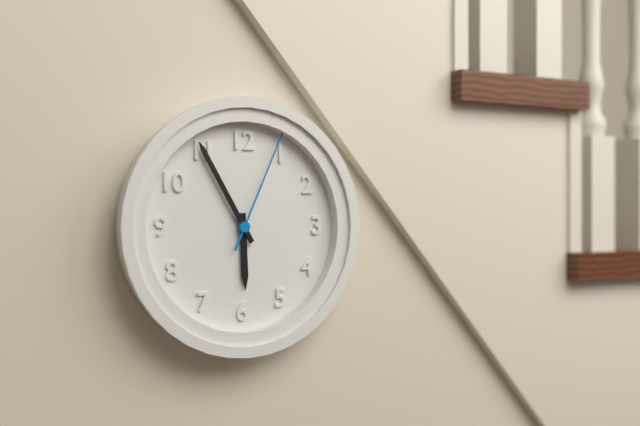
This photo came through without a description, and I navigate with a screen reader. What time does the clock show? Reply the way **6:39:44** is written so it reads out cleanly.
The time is **5:55:04**
